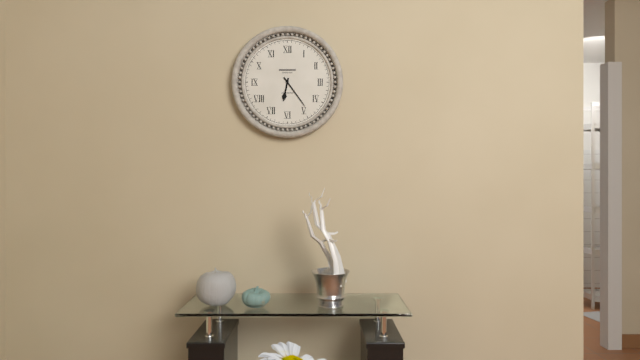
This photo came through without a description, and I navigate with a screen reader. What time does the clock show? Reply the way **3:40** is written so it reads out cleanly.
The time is **6:24**
